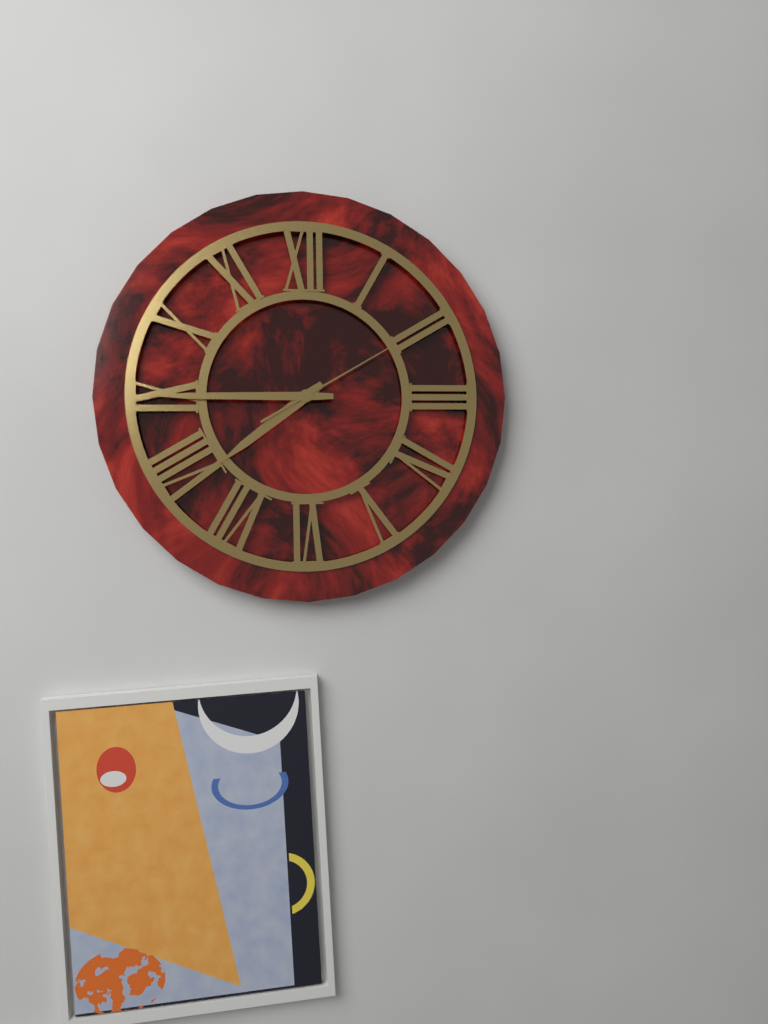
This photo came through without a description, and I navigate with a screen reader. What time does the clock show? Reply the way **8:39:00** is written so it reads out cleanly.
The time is **7:45:10**
